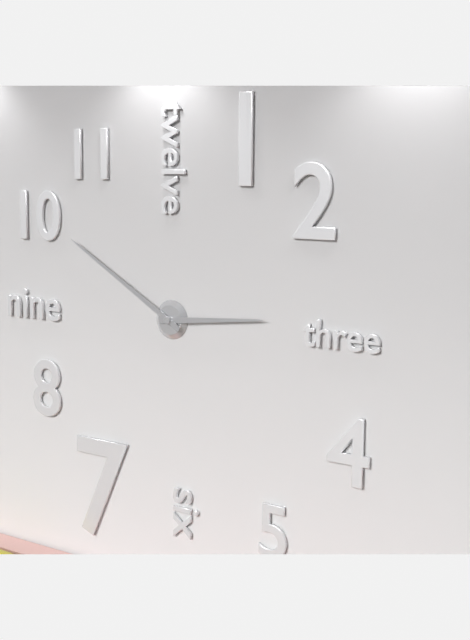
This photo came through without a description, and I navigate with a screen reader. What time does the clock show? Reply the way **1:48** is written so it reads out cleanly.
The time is **2:50**
